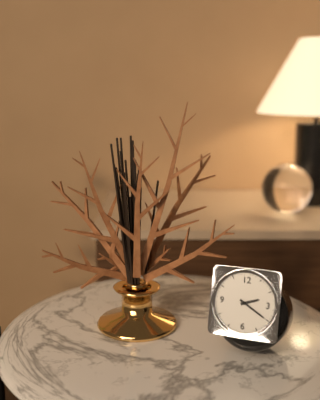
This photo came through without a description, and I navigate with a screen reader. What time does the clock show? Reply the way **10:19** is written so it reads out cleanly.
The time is **2:20**
